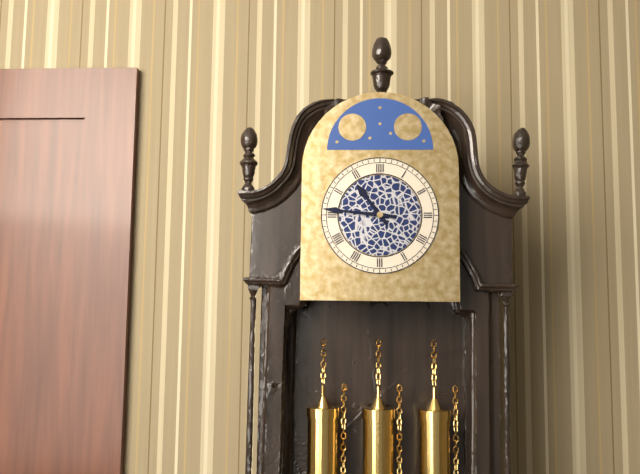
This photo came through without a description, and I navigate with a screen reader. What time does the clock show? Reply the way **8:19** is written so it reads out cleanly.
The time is **10:46**
